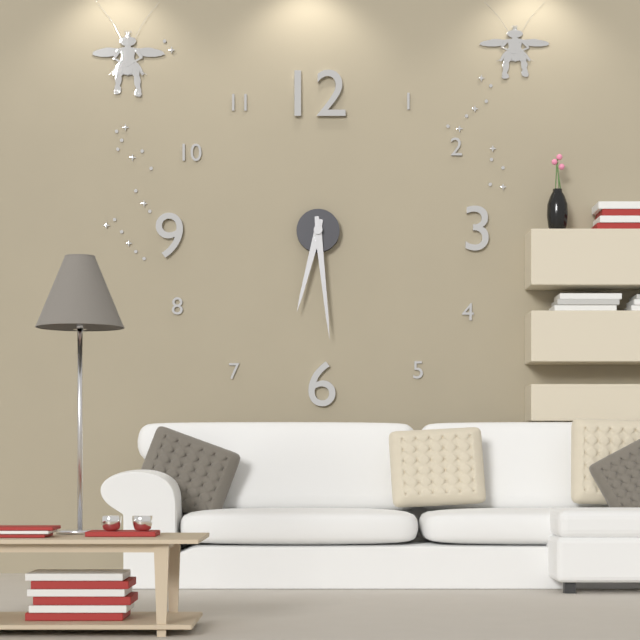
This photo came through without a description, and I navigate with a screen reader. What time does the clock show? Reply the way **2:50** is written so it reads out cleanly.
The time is **6:29**
